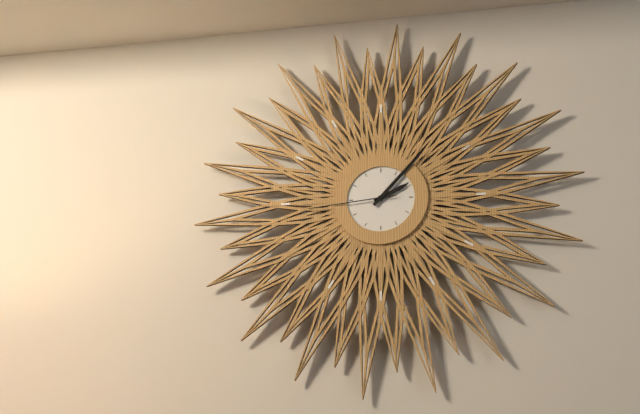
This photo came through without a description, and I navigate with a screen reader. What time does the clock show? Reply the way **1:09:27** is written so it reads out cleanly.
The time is **2:07:44**
